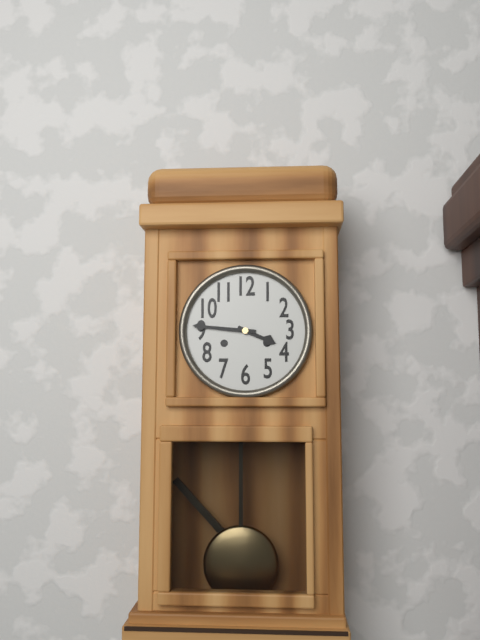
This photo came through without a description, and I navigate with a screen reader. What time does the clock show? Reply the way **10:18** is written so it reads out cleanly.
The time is **3:46**
